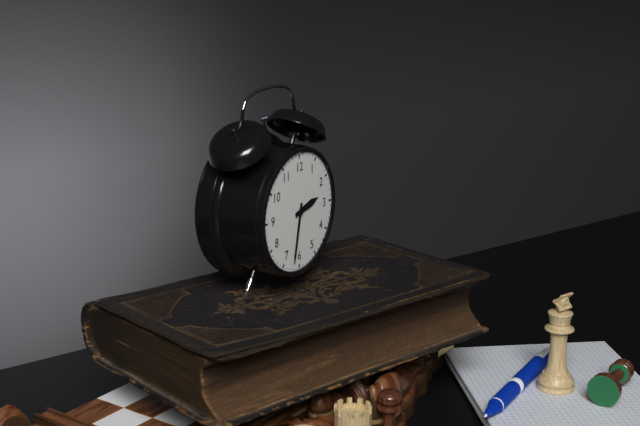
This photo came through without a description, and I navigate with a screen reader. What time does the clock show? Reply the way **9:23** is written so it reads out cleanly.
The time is **2:32**
